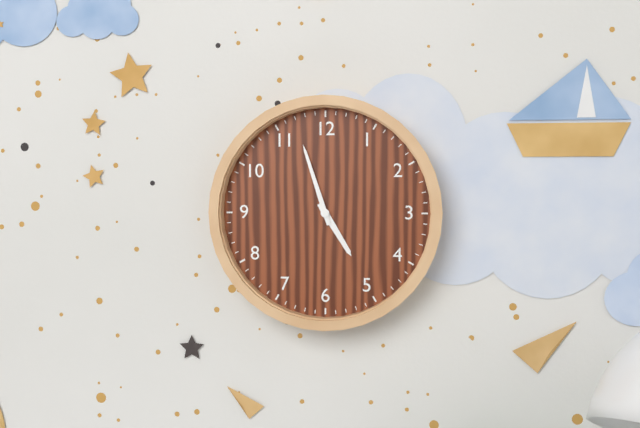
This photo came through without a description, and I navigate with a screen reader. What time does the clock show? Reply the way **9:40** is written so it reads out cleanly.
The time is **4:57**
